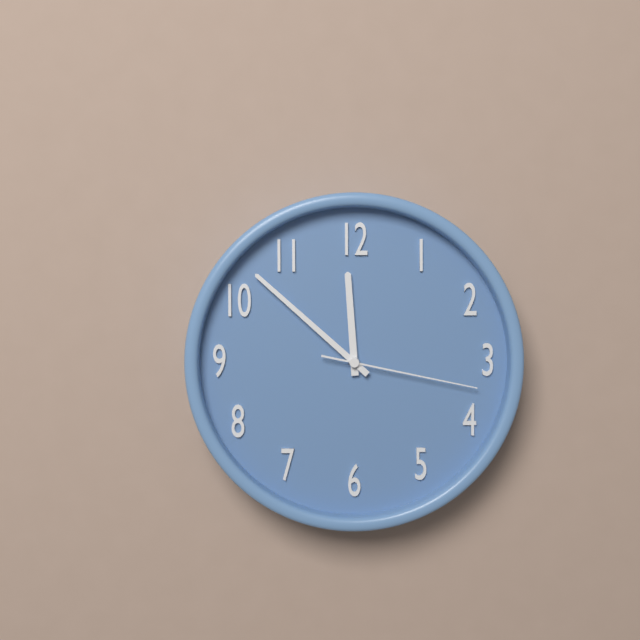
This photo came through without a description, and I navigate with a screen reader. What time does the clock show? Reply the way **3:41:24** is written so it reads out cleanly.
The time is **11:52:17**
